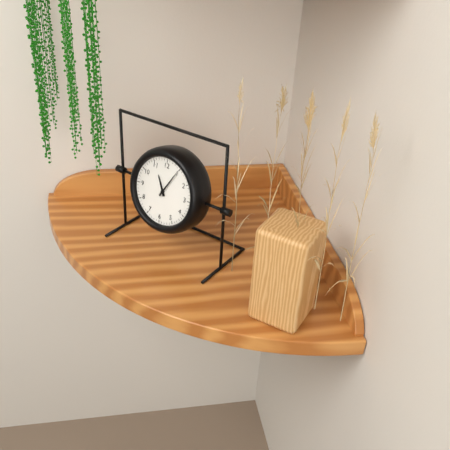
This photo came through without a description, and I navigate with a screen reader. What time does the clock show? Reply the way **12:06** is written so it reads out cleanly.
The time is **11:05**
